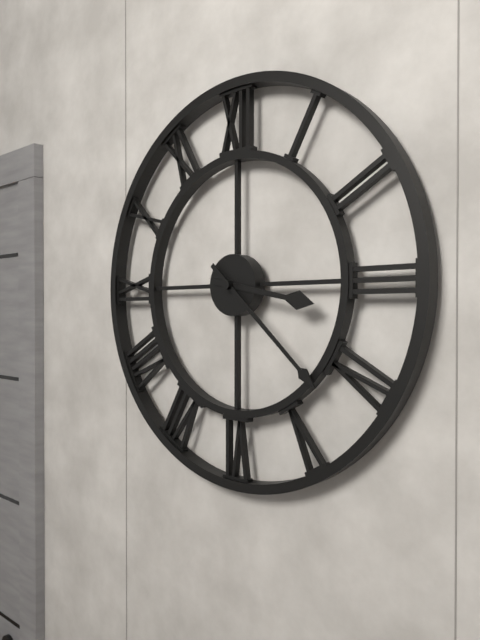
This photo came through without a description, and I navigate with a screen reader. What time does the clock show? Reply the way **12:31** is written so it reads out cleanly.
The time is **3:22**
